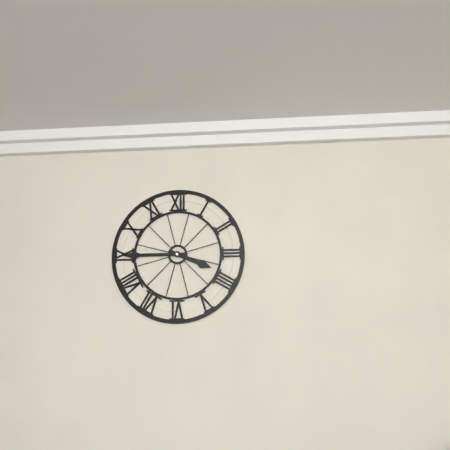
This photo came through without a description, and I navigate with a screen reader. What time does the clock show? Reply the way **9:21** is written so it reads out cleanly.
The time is **3:45**
